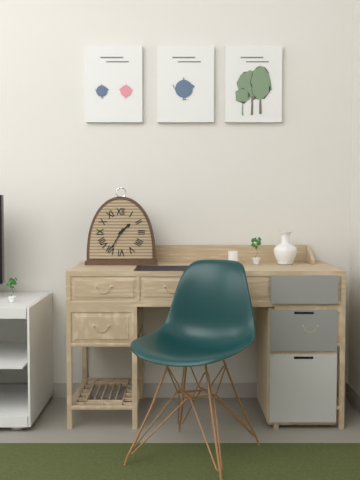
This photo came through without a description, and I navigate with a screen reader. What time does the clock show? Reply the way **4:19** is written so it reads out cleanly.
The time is **1:35**
